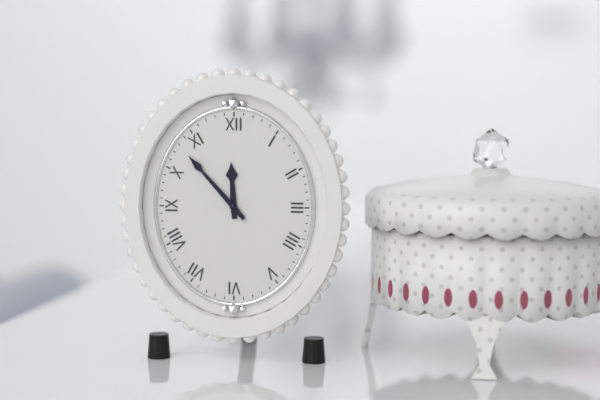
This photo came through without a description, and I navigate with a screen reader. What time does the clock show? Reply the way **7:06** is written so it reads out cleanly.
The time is **11:53**
